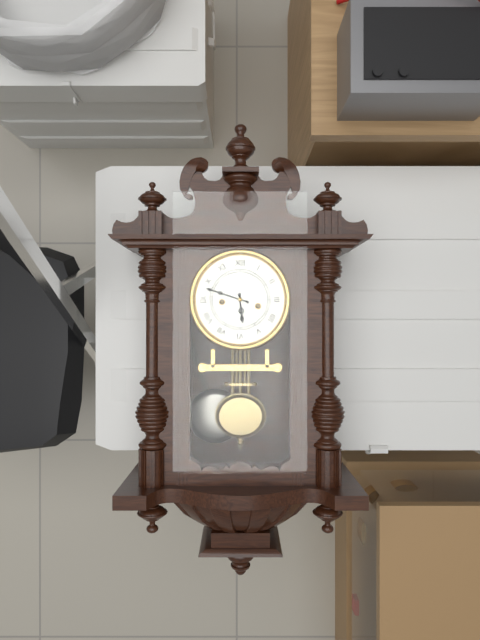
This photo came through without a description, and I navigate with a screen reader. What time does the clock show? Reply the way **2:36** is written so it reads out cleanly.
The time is **5:48**
